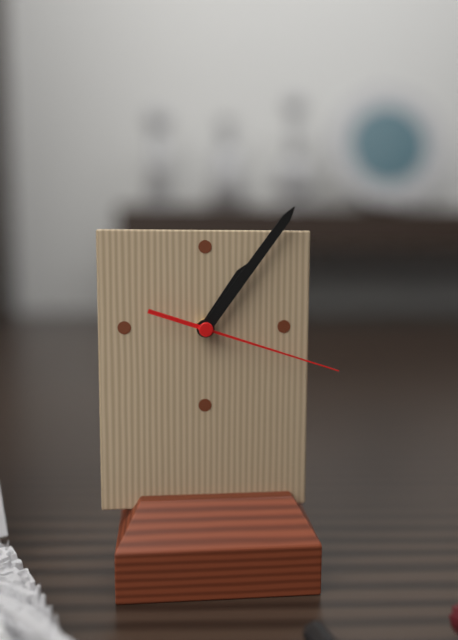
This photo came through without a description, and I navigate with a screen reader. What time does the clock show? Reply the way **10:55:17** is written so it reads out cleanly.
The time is **1:06:18**
